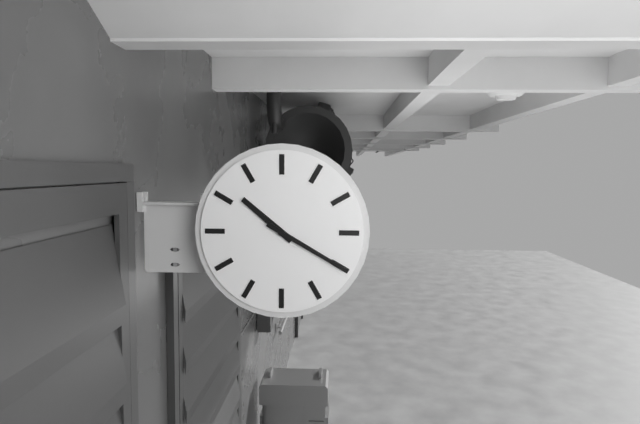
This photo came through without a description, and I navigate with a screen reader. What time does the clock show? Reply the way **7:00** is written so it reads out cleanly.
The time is **10:20**
